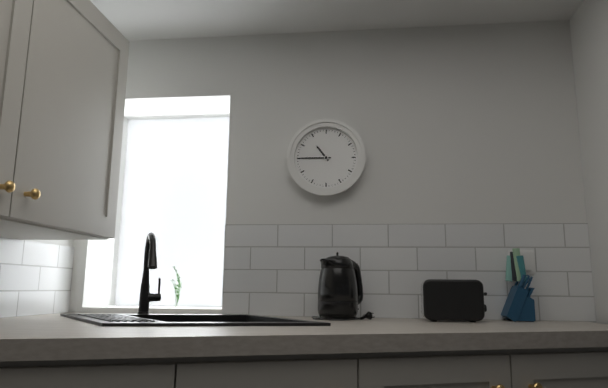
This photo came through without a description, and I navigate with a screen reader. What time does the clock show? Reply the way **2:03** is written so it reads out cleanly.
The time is **10:45**
